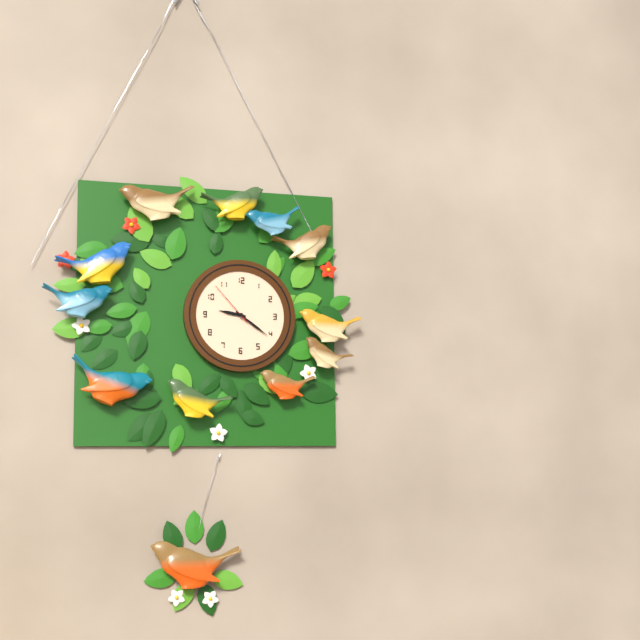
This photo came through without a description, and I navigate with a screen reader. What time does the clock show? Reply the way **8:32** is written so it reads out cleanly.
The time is **9:21**
